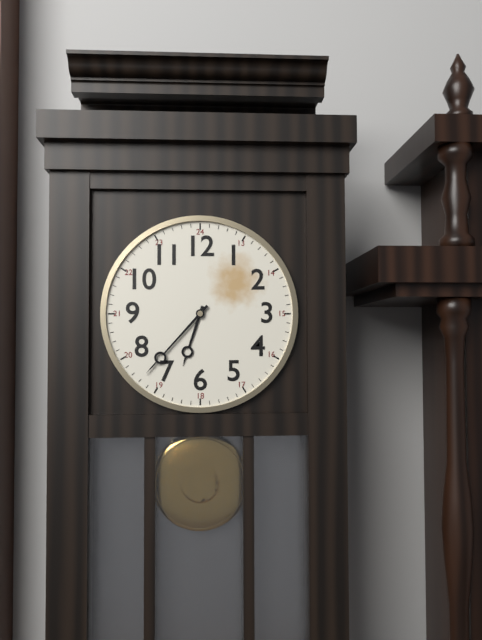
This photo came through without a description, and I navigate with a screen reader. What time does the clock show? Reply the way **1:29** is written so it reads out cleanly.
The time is **6:37**
